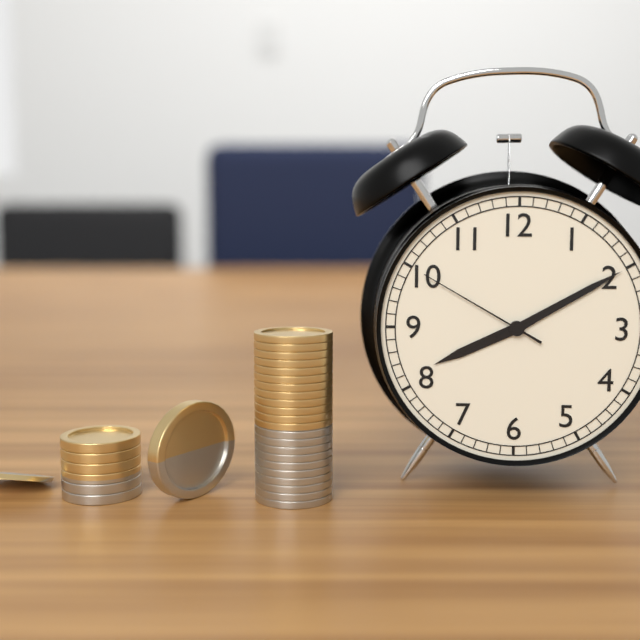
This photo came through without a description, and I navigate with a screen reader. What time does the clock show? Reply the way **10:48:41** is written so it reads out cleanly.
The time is **8:10:50**
